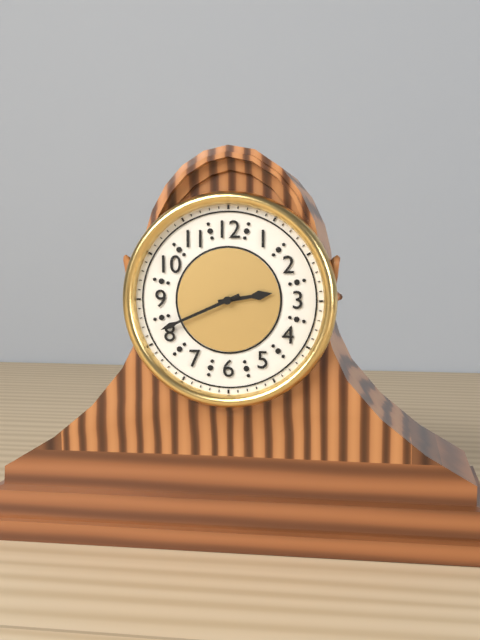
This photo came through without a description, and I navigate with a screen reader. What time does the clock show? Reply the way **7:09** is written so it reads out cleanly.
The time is **2:41**
